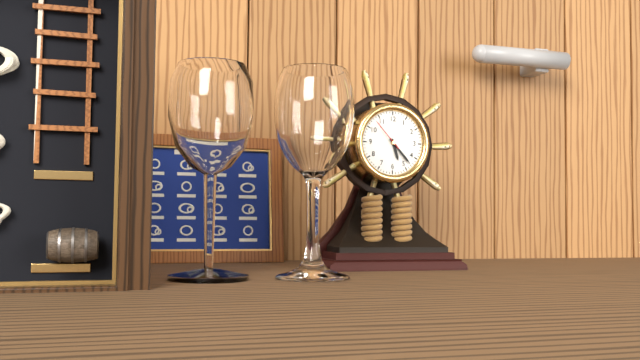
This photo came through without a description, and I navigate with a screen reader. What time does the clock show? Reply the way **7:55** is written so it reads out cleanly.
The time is **5:23**
